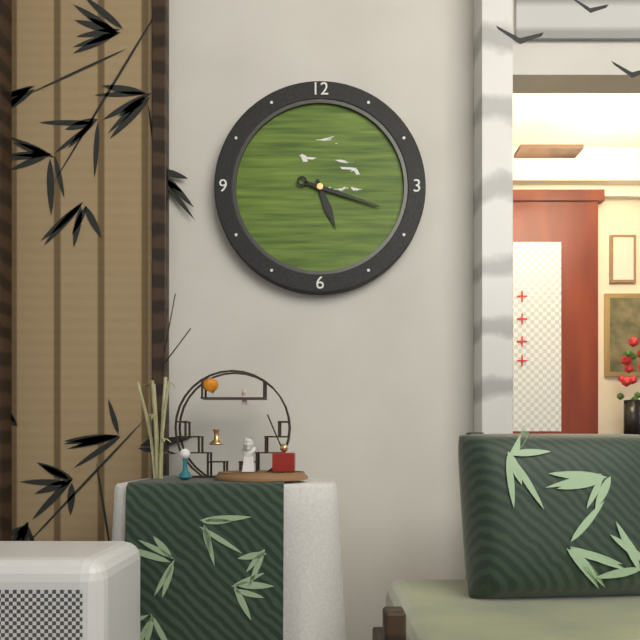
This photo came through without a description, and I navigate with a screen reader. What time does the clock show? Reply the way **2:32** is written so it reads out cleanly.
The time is **5:18**
